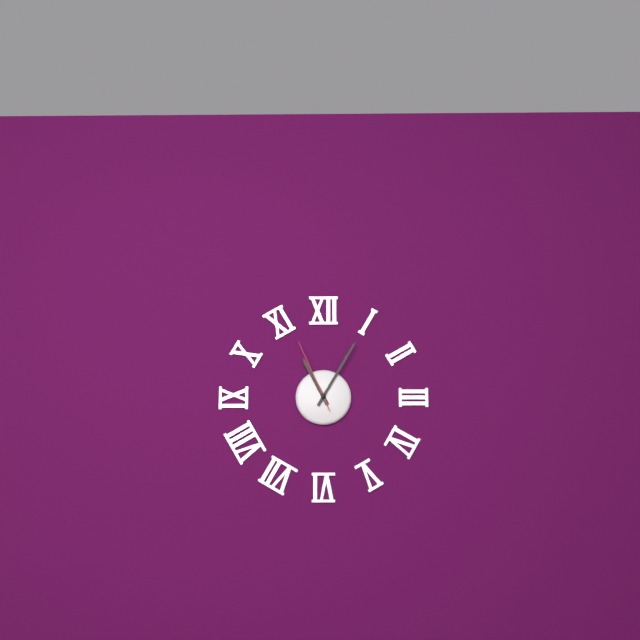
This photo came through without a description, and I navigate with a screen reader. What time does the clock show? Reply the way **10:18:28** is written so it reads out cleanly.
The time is **11:05:56**
